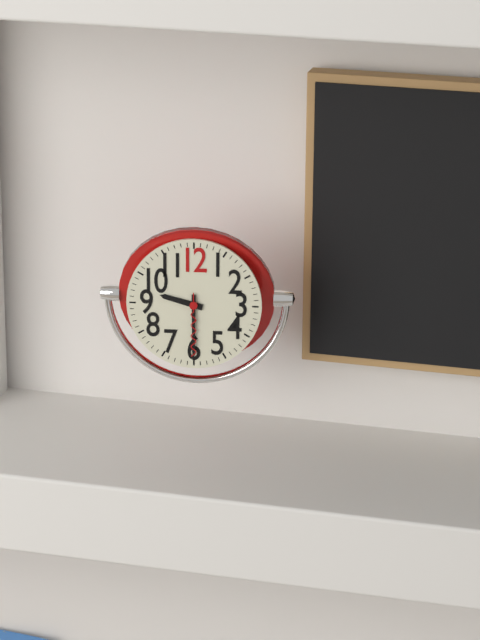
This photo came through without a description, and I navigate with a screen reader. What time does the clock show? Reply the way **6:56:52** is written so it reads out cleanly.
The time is **9:30:30**
